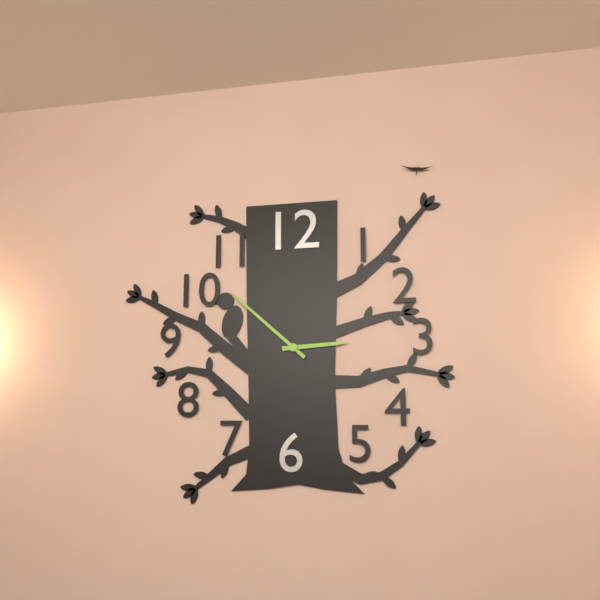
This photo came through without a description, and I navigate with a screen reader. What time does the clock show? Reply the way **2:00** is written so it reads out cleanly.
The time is **2:52**
